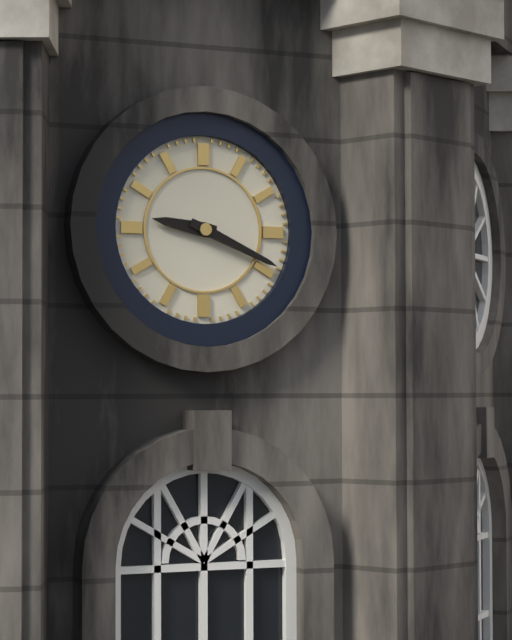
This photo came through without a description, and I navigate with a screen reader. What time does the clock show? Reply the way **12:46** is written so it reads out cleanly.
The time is **9:19**
